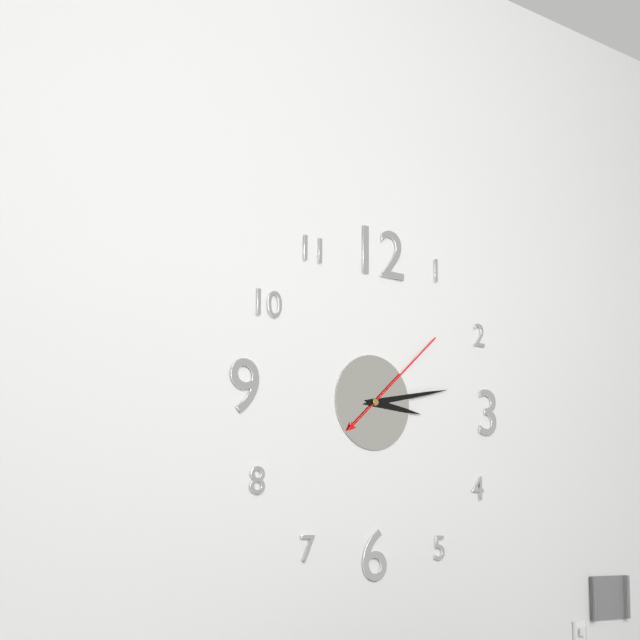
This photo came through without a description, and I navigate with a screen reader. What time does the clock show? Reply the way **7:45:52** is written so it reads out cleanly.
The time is **3:13:08**
